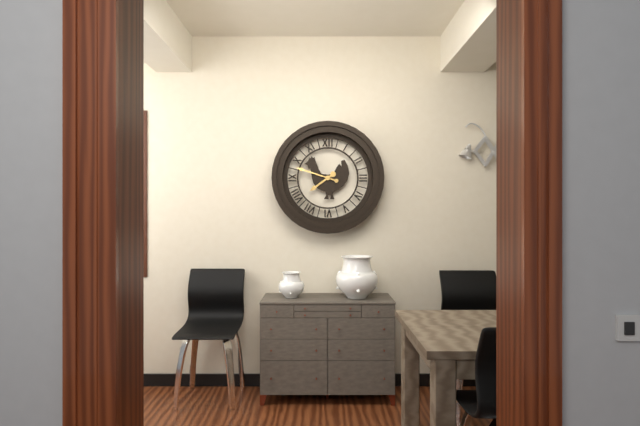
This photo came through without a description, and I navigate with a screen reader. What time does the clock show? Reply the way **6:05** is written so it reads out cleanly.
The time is **7:48**
